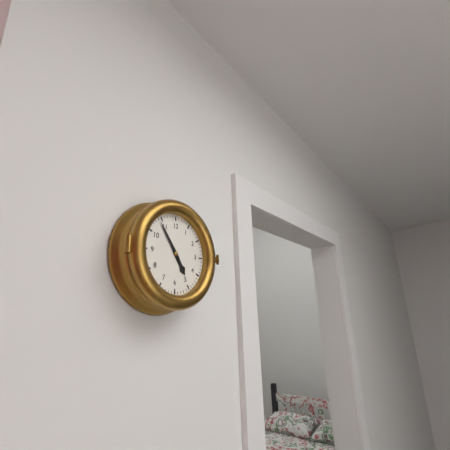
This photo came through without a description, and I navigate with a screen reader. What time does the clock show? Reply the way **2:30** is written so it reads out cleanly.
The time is **4:54**
